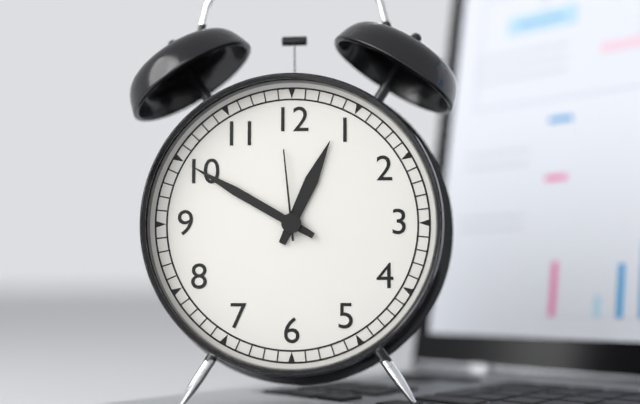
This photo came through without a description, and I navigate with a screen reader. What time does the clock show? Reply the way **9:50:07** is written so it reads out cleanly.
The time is **12:50:59**
